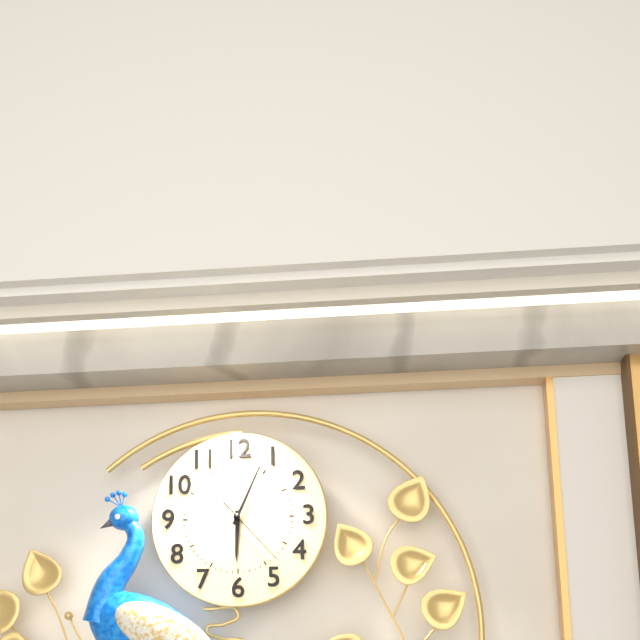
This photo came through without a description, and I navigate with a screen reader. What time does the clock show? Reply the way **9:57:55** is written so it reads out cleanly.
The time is **6:04:23**
